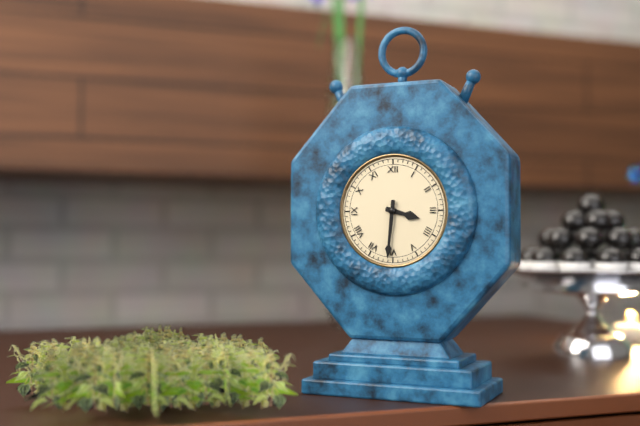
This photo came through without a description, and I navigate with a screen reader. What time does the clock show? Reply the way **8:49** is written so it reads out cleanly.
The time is **3:31**
